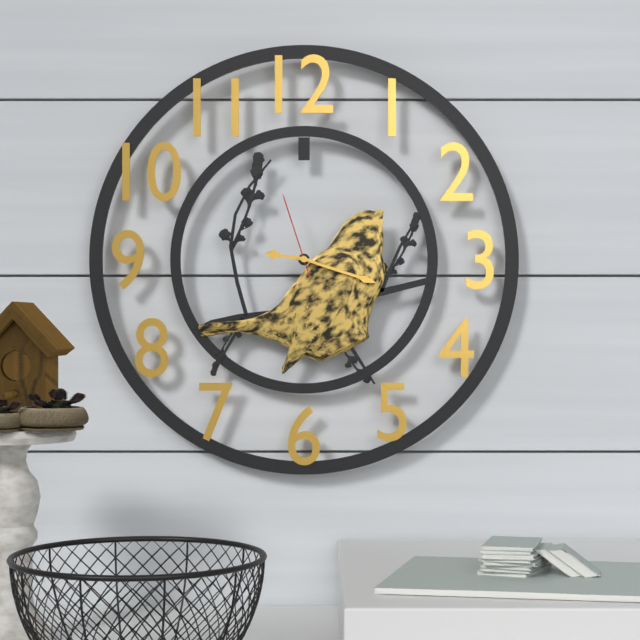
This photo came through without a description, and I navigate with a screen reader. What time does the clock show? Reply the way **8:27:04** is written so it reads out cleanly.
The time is **9:18:57**
